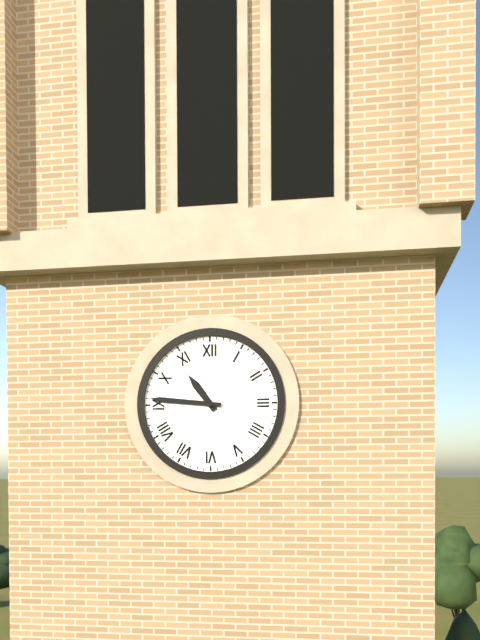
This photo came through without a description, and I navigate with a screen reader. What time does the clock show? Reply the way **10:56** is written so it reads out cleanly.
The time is **10:46**
